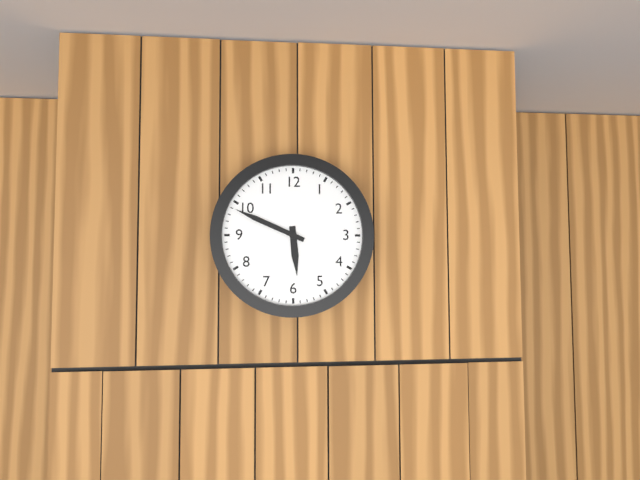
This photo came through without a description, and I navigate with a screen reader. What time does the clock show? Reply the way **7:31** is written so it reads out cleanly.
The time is **5:49**
